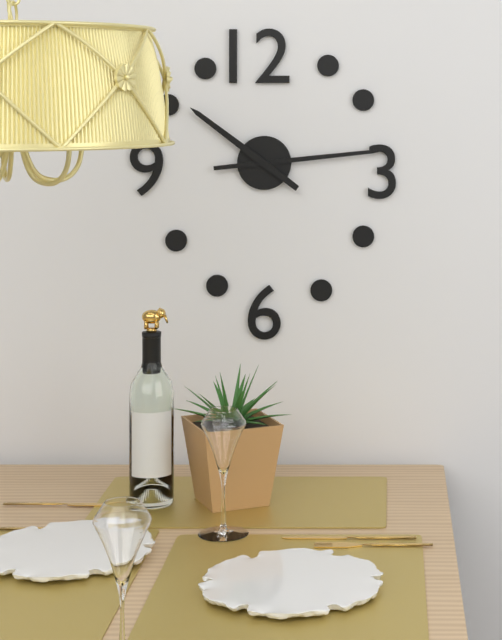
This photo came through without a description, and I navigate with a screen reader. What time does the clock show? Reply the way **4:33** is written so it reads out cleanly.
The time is **10:14**
